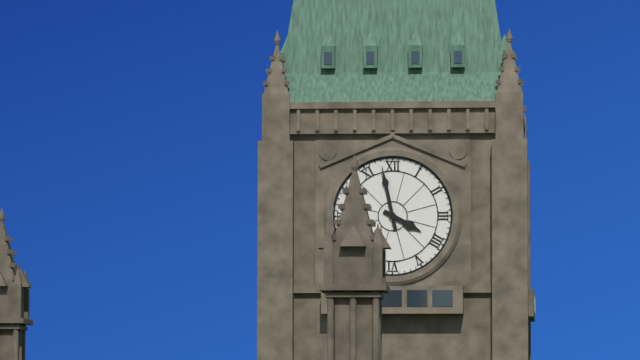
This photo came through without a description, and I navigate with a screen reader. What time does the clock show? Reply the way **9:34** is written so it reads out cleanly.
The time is **3:58**
